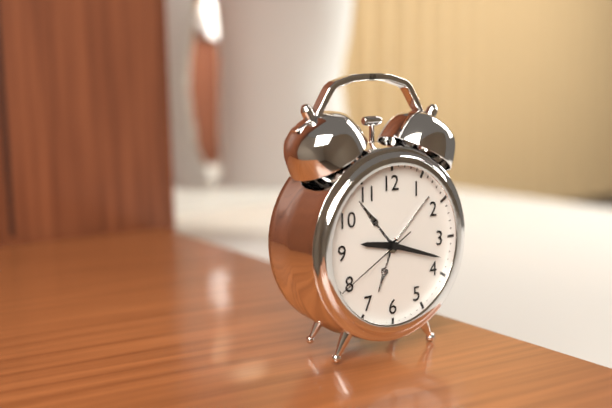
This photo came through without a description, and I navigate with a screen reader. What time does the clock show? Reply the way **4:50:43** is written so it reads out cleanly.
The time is **9:18:40**
